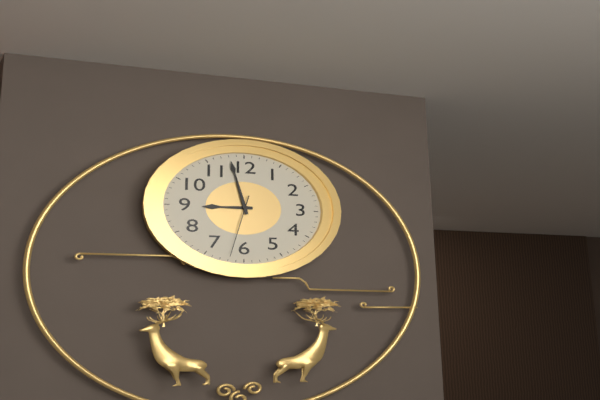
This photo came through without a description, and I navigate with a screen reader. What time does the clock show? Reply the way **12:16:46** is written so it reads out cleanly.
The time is **8:58:32**
